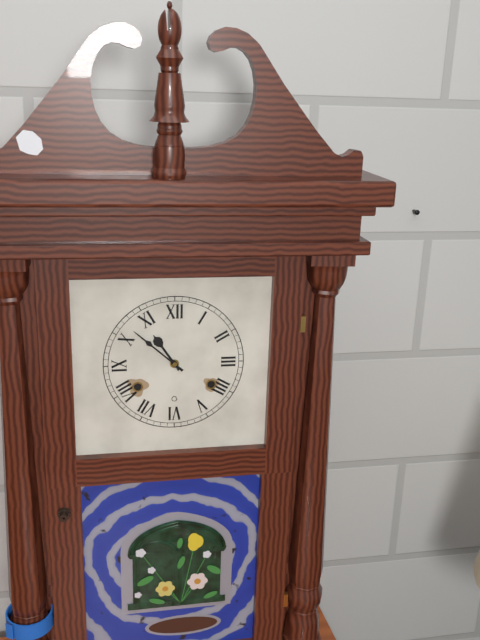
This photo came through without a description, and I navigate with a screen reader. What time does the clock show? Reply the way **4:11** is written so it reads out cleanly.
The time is **10:52**
